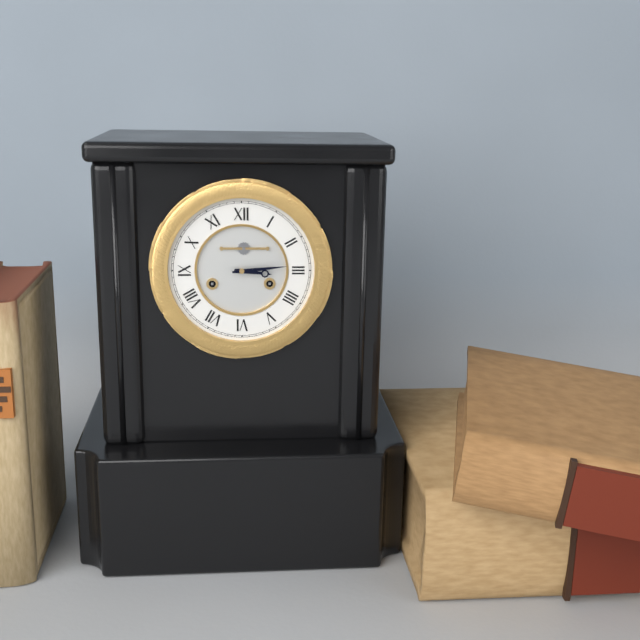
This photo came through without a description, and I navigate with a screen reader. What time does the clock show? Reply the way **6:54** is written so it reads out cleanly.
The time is **3:14**
